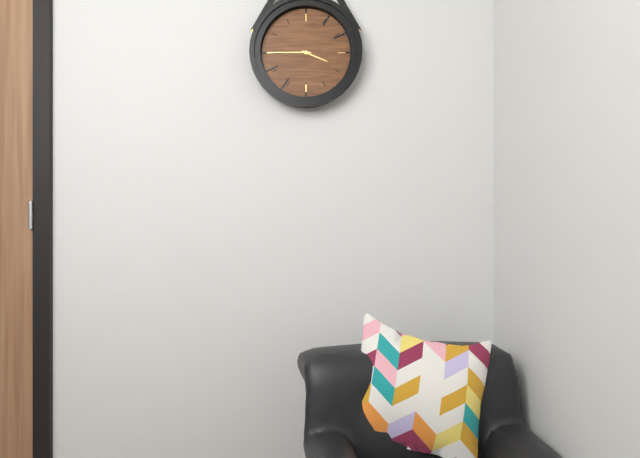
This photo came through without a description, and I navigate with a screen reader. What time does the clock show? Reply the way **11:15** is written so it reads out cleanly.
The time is **3:45**
